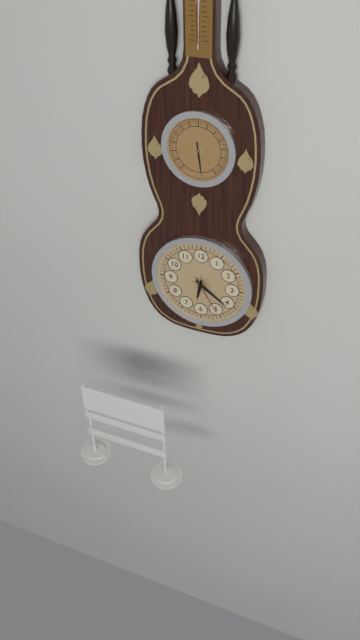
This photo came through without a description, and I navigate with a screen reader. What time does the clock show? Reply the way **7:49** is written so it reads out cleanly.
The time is **6:21**
